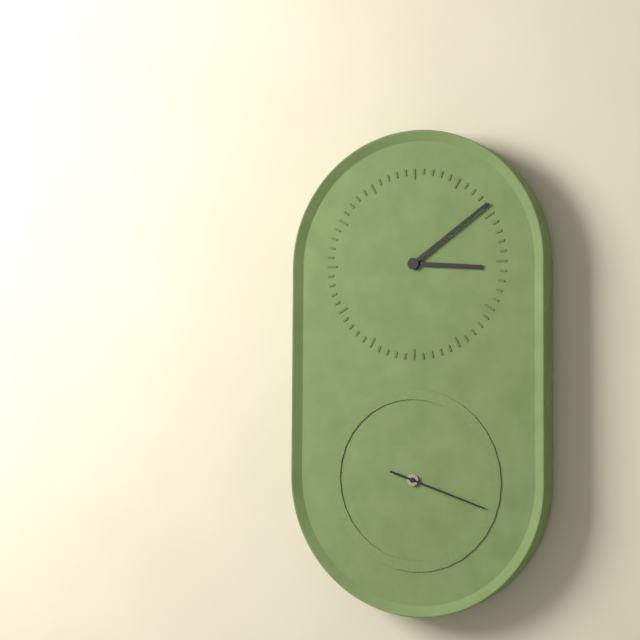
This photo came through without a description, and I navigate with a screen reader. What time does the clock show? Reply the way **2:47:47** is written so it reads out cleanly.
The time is **3:09:18**
